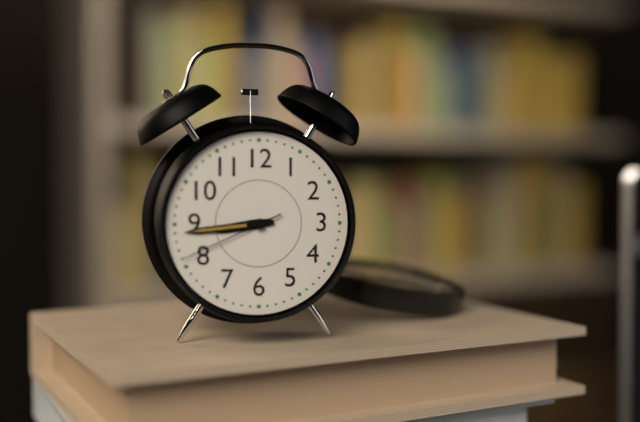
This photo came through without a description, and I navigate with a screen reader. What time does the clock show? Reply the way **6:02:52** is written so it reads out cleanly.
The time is **8:44:41**
